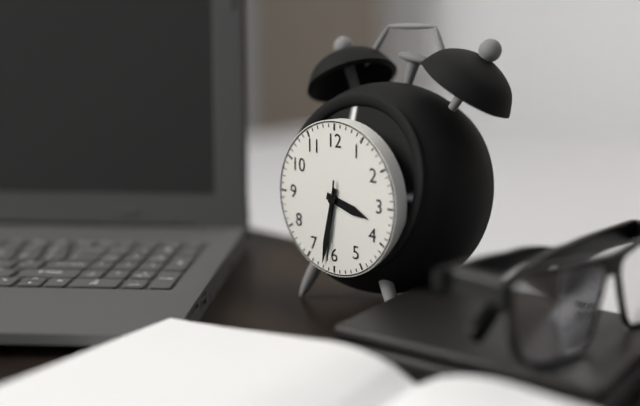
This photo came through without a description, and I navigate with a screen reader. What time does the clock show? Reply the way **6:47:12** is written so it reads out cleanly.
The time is **3:32:31**
